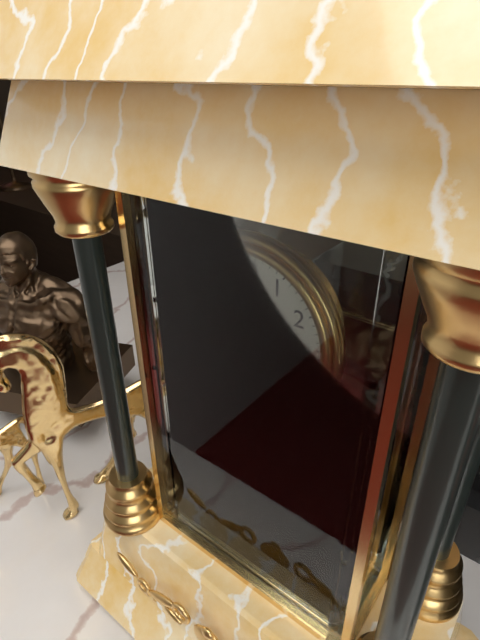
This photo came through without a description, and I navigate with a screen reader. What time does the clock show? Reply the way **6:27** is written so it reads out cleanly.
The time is **5:01**
